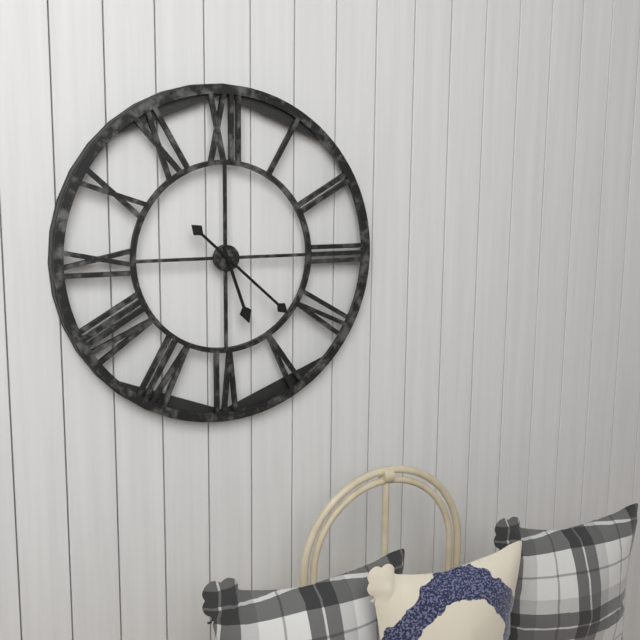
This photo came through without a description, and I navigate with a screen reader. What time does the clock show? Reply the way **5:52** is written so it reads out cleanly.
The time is **5:22**
